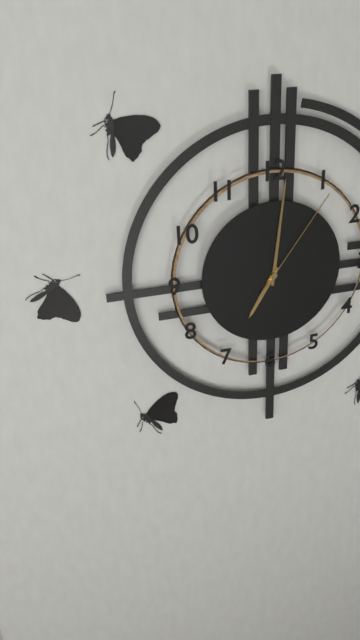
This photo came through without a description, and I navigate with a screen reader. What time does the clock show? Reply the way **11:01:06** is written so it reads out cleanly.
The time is **7:01:06**
